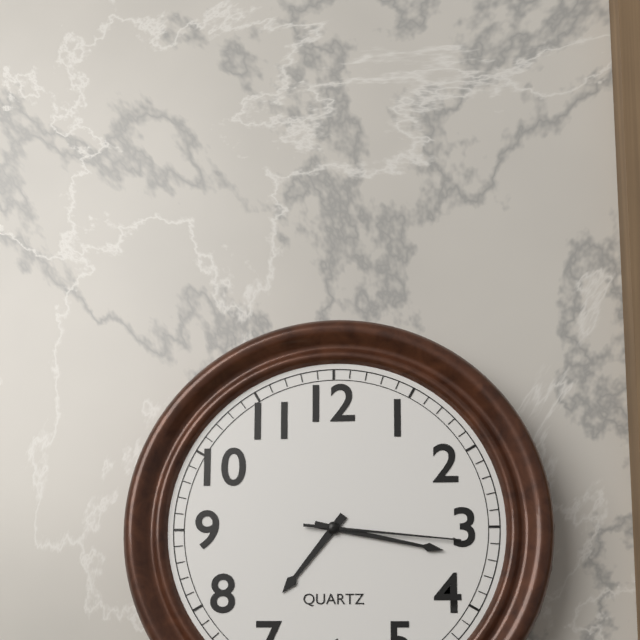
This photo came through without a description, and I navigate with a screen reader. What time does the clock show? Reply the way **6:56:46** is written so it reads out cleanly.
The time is **7:17:16**
